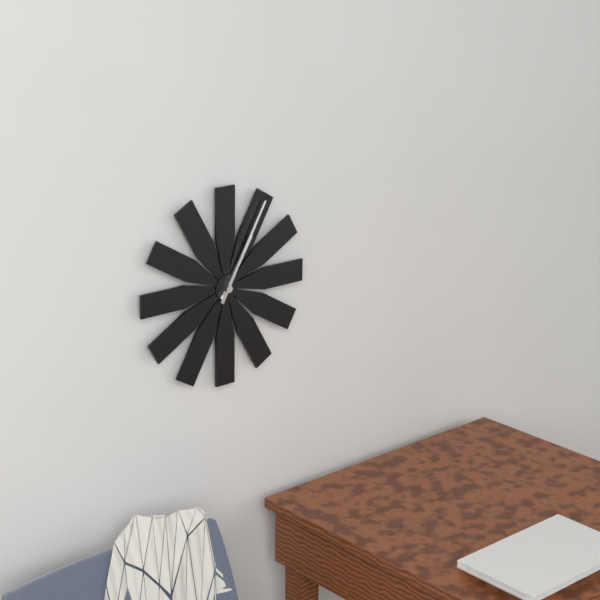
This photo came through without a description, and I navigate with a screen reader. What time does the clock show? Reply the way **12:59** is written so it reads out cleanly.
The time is **1:05**
